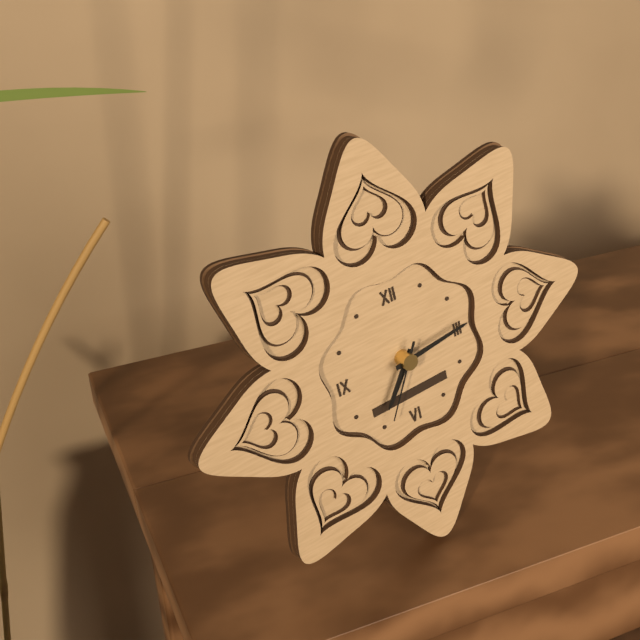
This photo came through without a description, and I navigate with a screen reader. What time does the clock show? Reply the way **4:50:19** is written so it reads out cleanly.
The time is **7:14:35**
